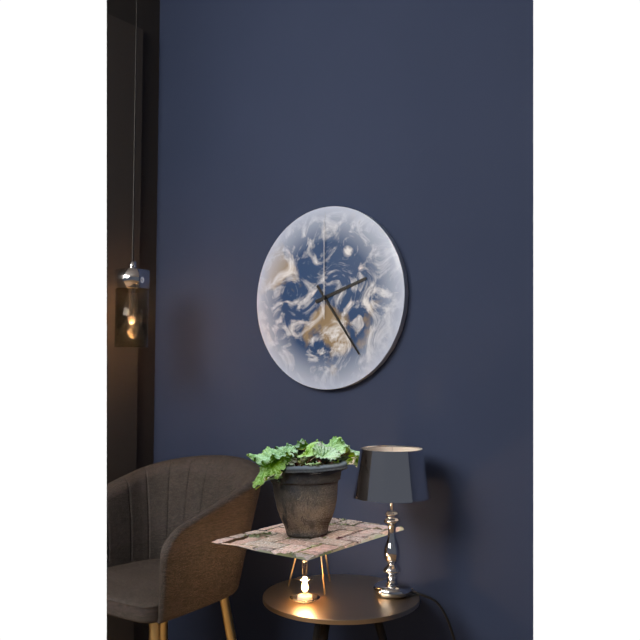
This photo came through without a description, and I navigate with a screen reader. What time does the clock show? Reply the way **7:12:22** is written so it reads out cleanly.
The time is **2:24:00**
